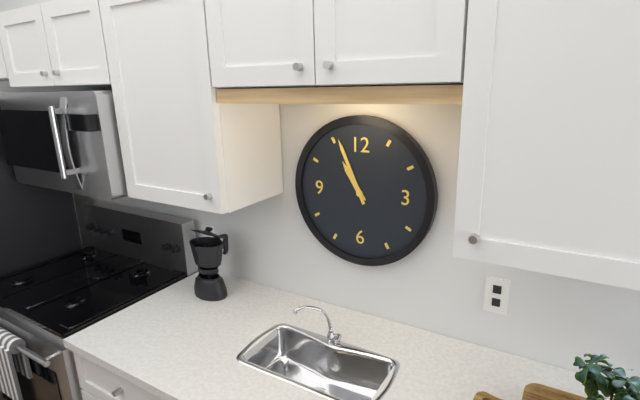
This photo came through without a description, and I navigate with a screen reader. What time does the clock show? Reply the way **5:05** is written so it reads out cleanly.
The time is **10:56**
